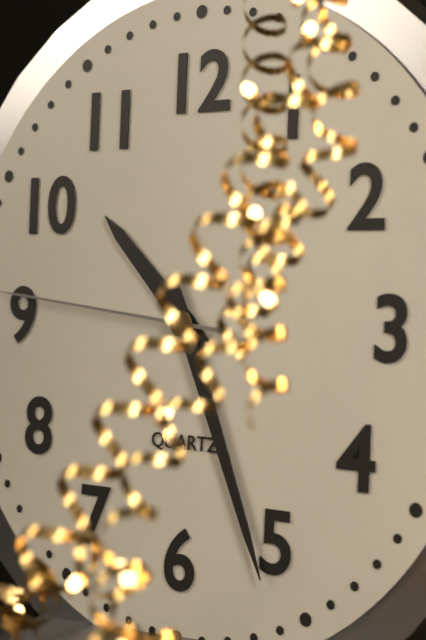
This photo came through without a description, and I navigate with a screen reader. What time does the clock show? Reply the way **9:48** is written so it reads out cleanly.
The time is **10:26**
